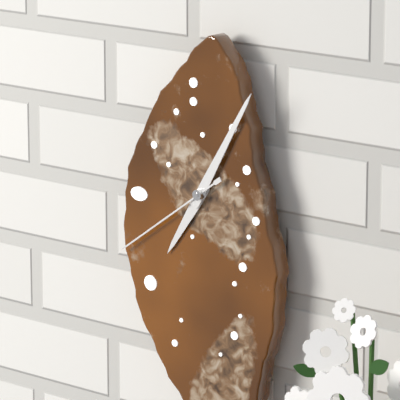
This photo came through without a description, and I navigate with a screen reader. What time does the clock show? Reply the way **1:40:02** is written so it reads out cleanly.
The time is **7:05:39**
